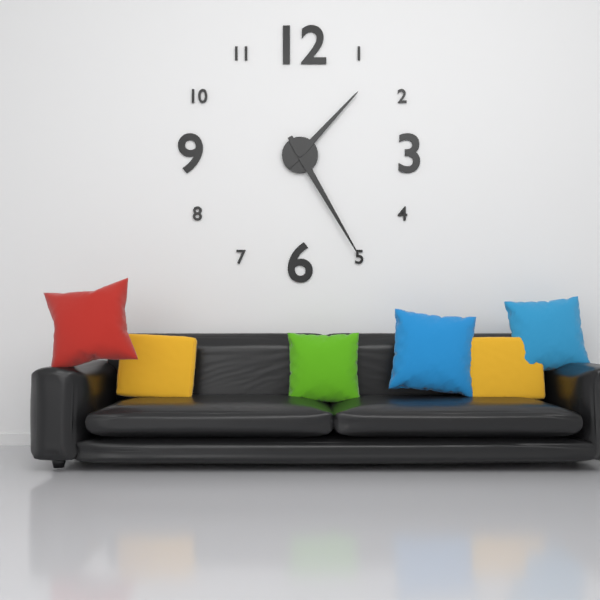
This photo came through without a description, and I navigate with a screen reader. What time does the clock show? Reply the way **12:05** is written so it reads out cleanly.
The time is **1:25**
